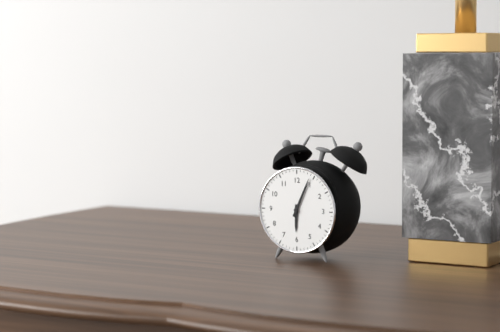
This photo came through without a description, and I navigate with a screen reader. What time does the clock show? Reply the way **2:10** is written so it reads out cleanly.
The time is **6:04**
